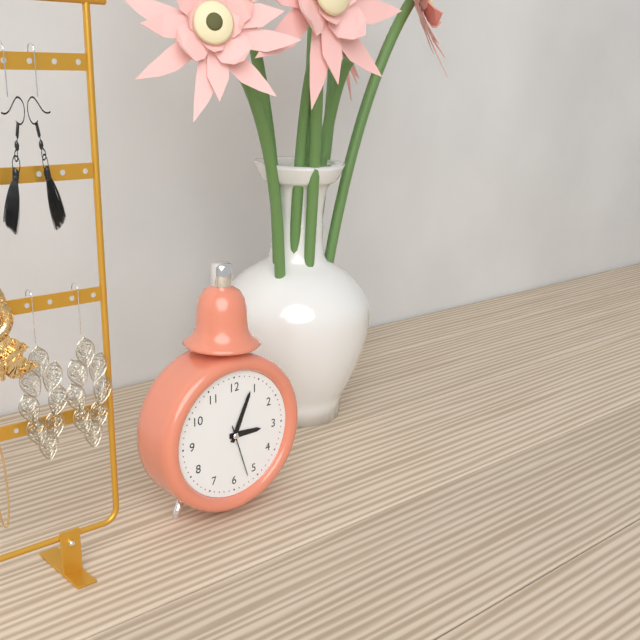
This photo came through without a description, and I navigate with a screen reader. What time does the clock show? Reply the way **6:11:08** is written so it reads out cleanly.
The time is **3:04:27**
